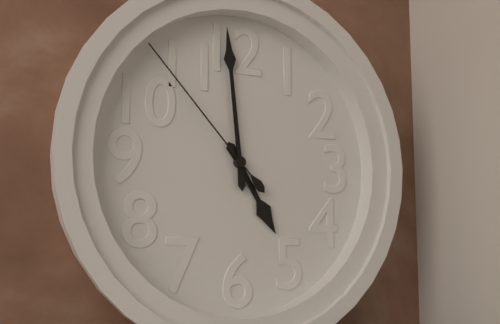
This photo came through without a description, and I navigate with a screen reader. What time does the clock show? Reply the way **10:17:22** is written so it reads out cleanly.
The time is **4:59:53**
